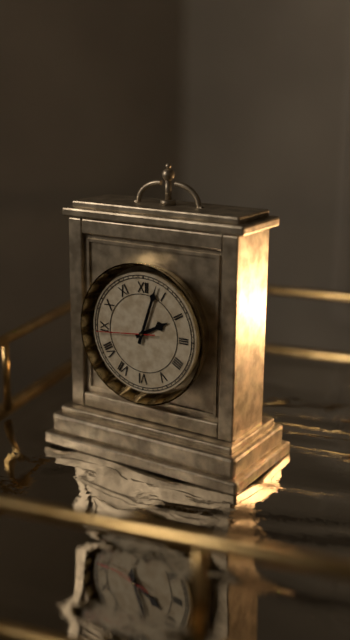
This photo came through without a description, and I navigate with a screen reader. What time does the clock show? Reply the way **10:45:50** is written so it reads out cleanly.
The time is **2:03:44**
